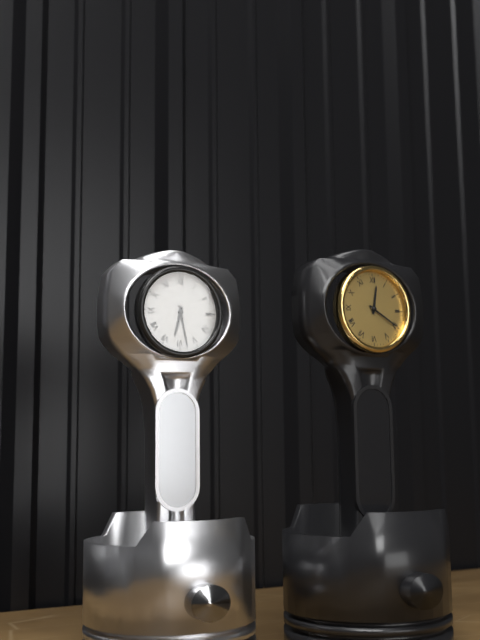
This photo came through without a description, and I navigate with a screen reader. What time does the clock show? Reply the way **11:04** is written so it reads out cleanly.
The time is **6:28**
